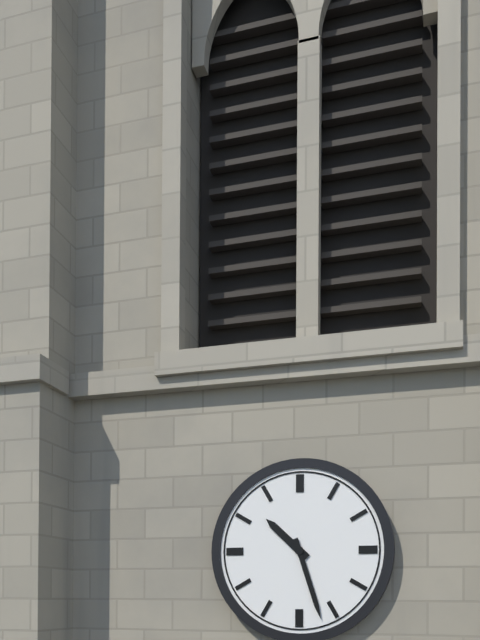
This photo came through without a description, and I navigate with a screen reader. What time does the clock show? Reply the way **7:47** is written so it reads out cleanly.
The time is **10:27**
